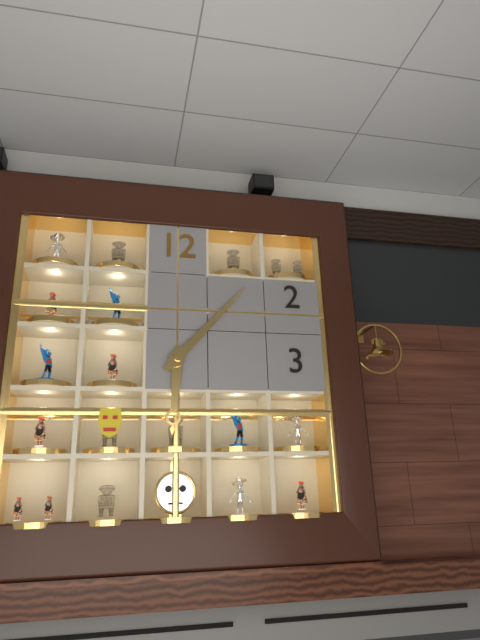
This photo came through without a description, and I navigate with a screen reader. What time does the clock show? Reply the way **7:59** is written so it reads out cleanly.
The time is **6:07**
